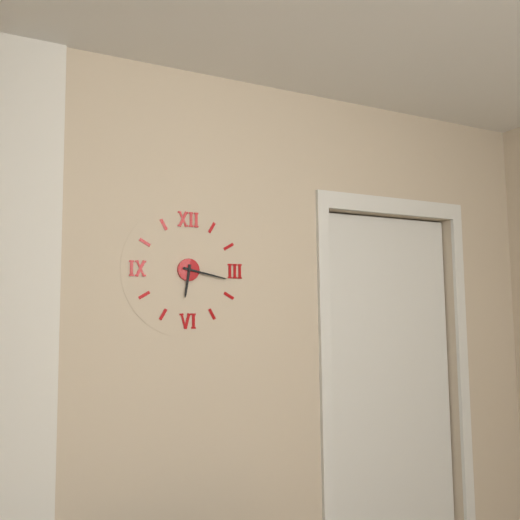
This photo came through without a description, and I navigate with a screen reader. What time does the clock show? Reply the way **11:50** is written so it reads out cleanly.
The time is **6:17**
